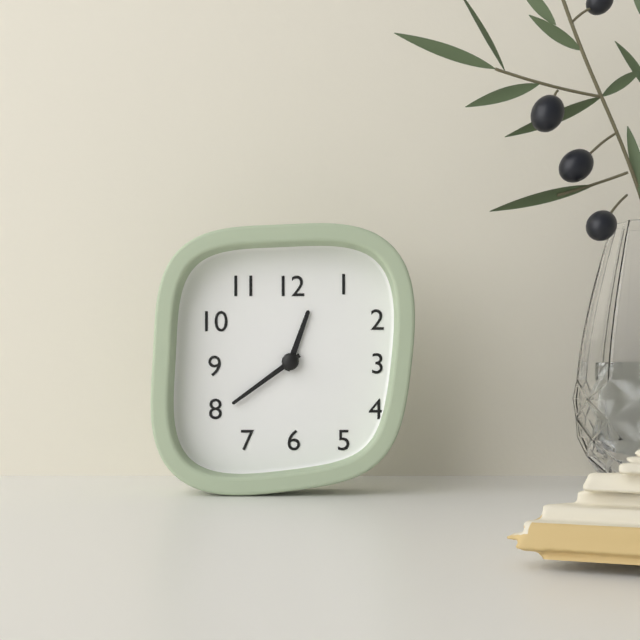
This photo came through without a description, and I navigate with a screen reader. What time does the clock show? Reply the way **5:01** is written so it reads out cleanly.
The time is **12:39**
